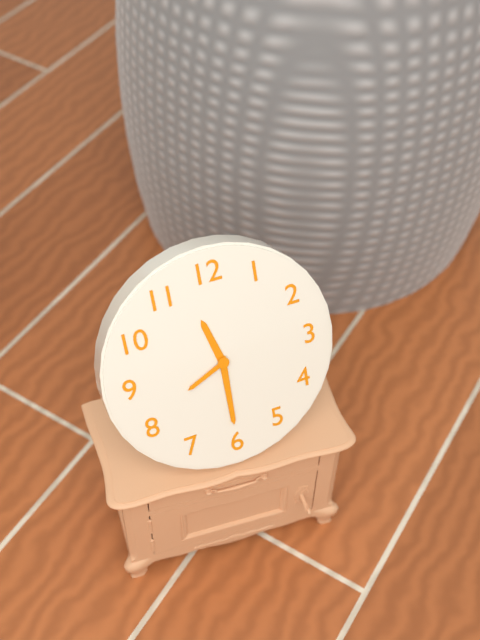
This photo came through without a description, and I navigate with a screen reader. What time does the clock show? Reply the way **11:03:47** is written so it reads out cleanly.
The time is **11:30:41**
